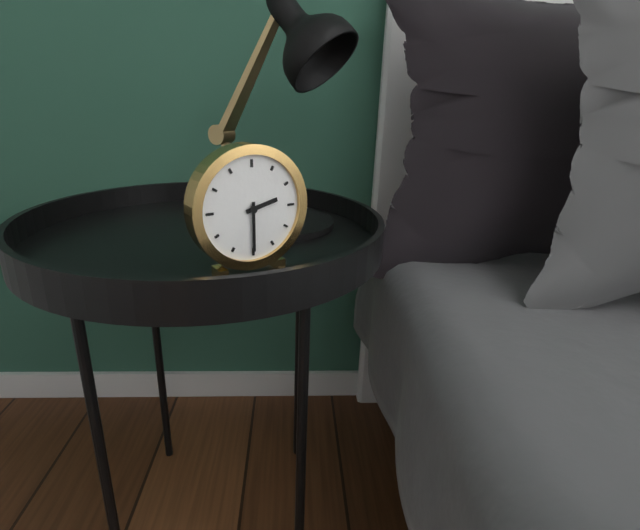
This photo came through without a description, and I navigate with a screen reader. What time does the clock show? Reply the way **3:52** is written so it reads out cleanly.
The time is **2:30**
